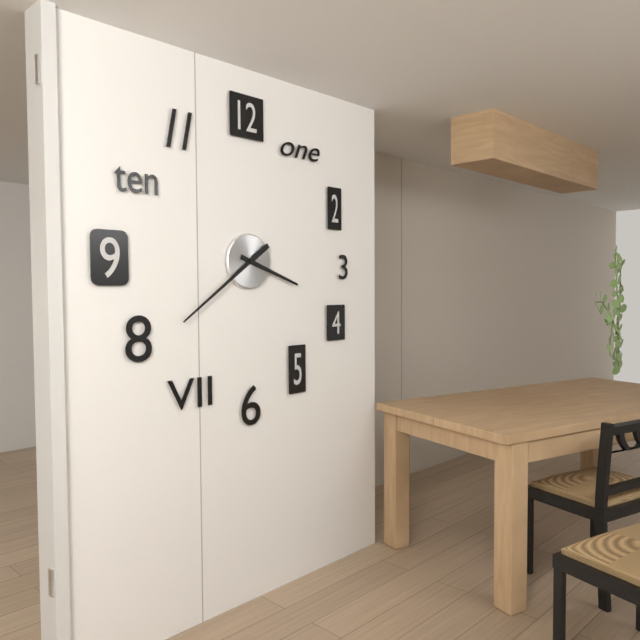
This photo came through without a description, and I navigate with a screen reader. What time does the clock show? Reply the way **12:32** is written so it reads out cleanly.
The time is **3:39**
